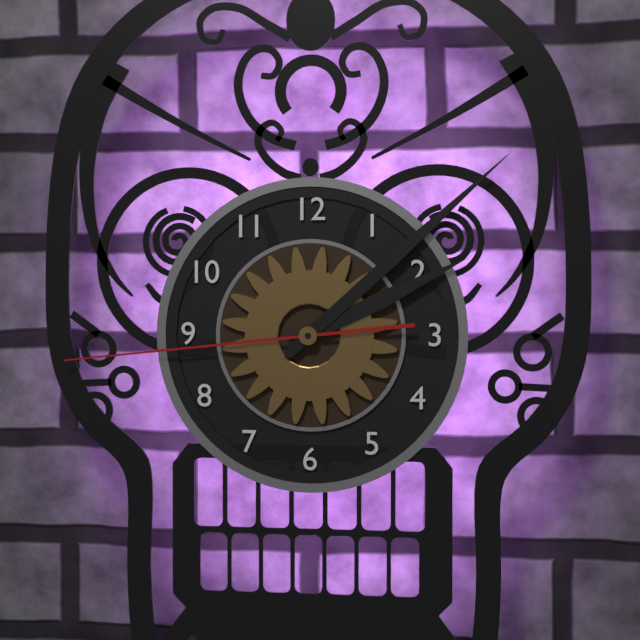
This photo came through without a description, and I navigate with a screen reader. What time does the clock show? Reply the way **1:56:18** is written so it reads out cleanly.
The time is **2:08:44**
